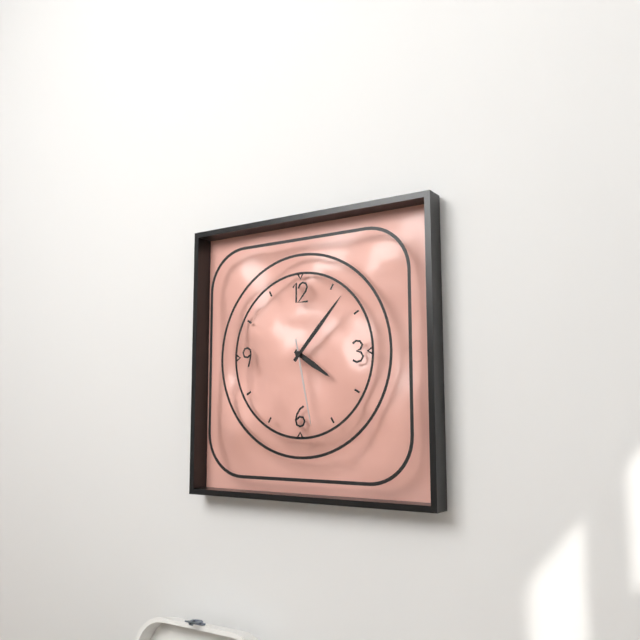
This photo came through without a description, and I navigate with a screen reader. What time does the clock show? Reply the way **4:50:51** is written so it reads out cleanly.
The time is **4:07:28**
